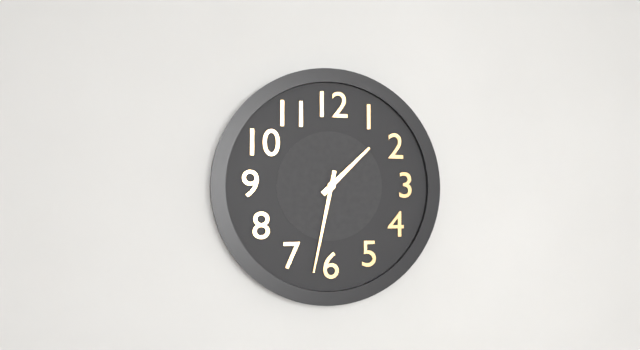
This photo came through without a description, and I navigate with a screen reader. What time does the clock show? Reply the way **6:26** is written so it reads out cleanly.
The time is **1:32**
